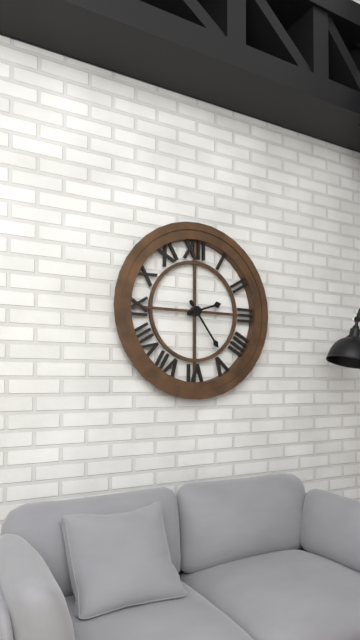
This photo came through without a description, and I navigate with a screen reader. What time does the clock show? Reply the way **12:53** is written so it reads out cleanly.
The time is **2:24**
